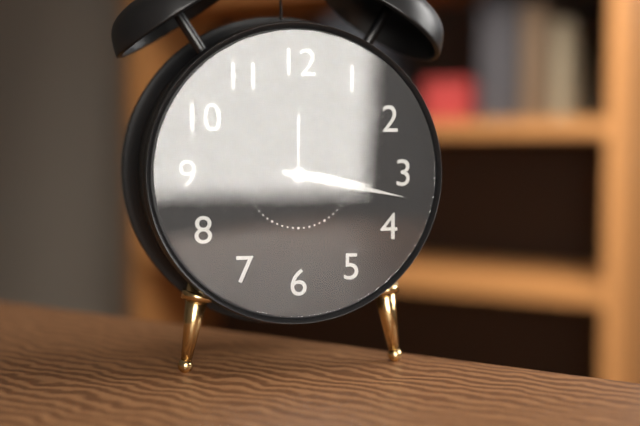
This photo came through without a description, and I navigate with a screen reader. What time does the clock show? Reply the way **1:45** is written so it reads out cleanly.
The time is **3:17**
